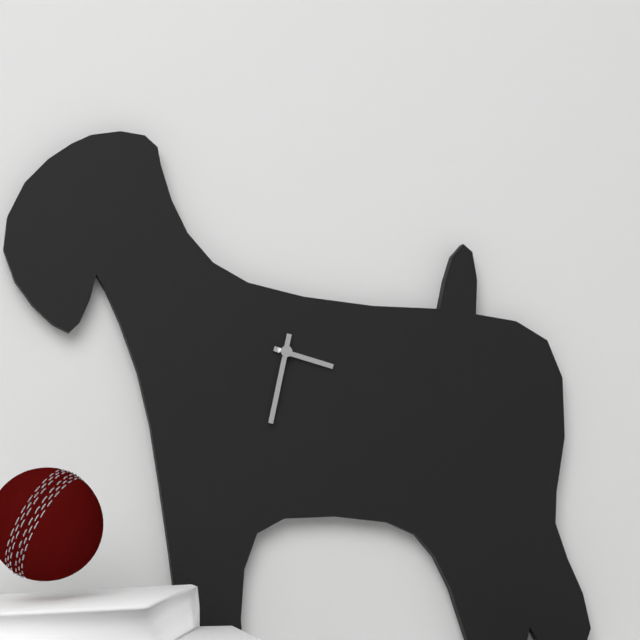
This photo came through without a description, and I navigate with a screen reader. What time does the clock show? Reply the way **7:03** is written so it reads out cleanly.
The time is **3:32**
